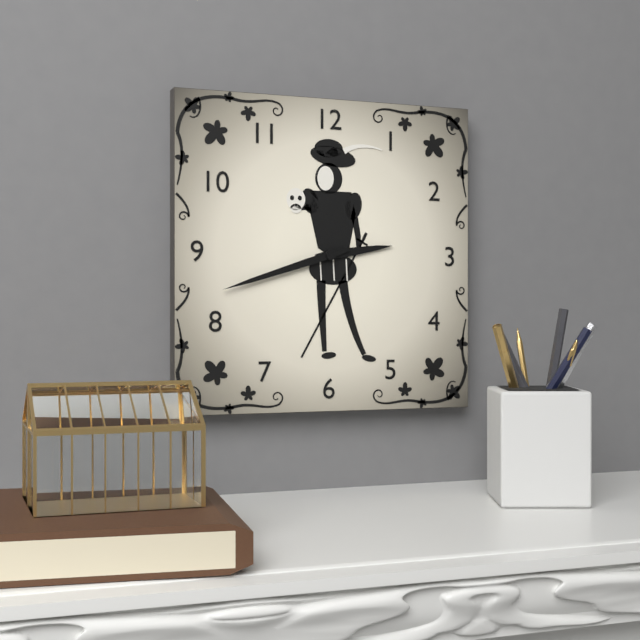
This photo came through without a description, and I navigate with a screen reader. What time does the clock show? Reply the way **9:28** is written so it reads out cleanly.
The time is **2:42**
